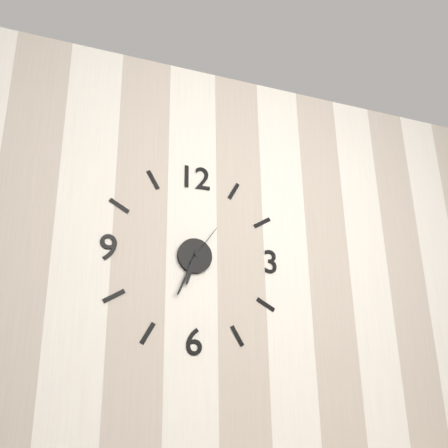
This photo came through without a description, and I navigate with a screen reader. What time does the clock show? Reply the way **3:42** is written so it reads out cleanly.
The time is **6:34**
